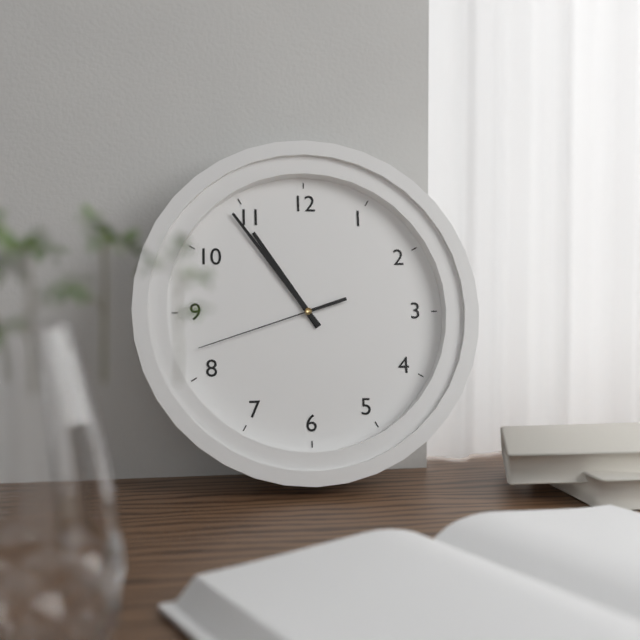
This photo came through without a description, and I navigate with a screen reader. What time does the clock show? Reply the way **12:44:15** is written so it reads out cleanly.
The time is **10:54:42**
